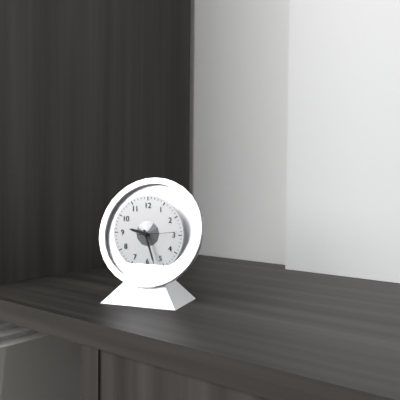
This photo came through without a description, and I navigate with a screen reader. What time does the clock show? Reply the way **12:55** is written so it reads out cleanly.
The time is **9:27**
